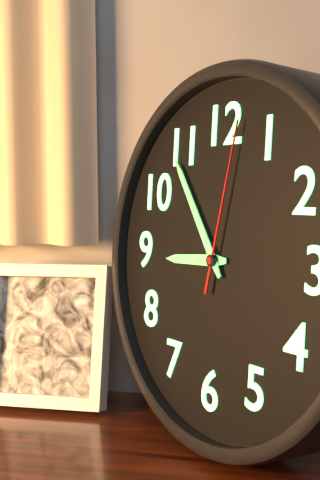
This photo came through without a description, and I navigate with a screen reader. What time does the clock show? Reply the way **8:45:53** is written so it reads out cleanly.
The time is **8:54:02**
